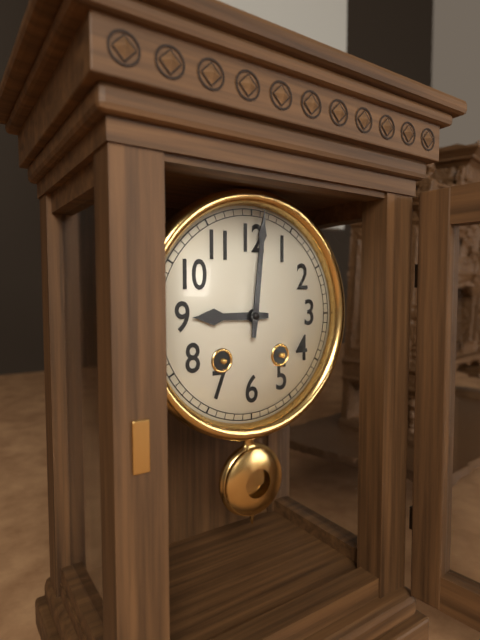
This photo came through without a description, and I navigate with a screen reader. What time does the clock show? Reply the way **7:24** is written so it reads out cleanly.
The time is **9:01**
